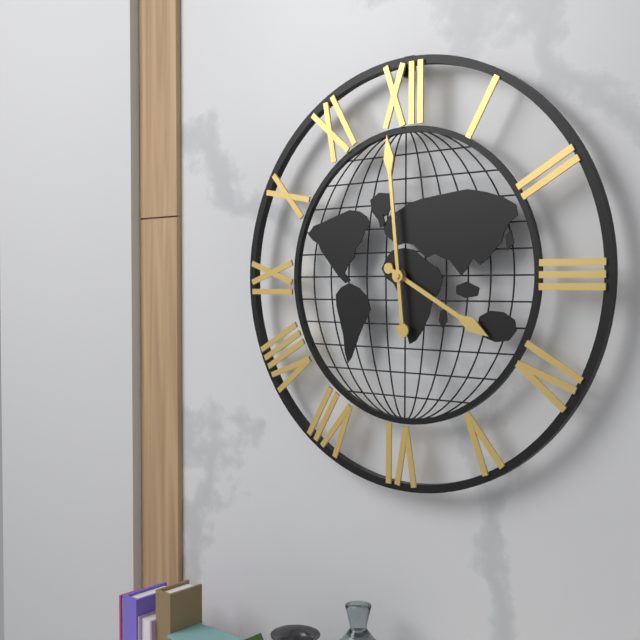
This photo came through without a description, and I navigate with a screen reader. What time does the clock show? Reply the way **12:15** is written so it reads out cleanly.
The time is **3:59**
